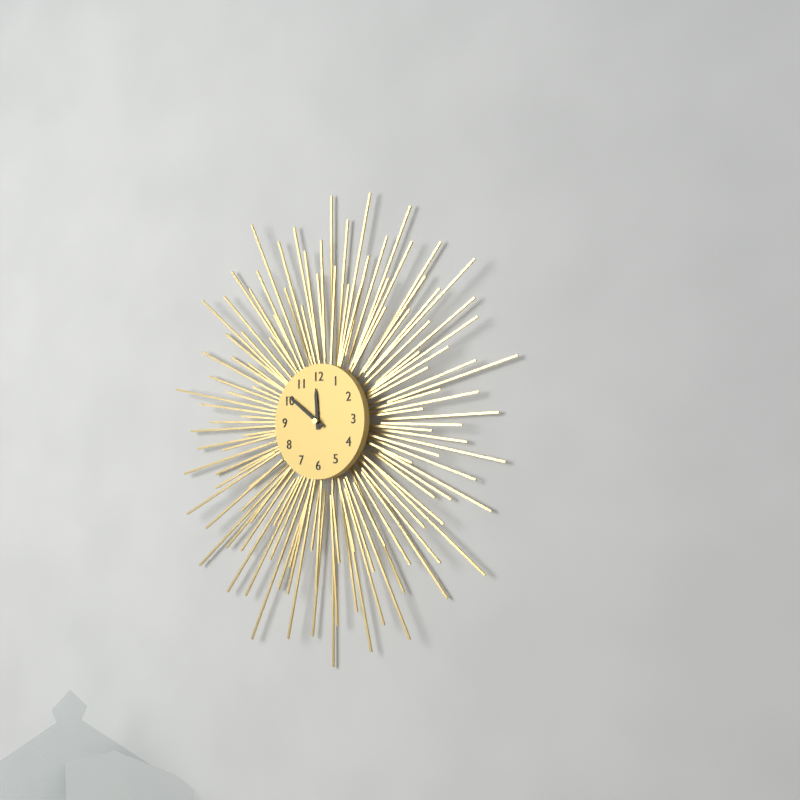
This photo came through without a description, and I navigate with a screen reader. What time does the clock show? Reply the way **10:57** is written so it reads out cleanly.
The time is **11:51**
